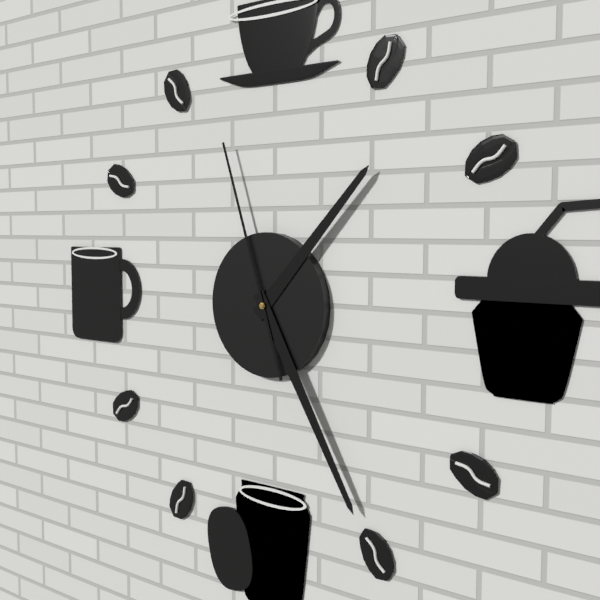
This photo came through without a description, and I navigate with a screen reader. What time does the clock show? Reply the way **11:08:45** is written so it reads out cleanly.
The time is **1:25:57**
